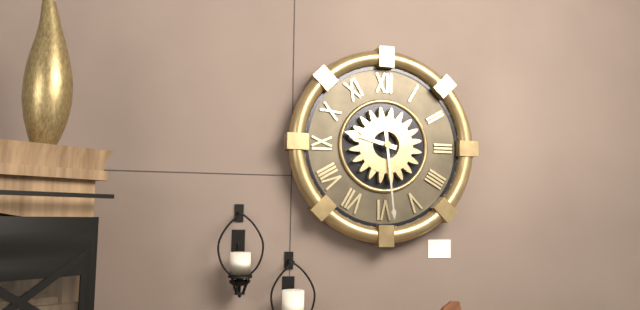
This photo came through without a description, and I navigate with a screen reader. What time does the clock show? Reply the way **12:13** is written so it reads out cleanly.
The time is **9:29**
